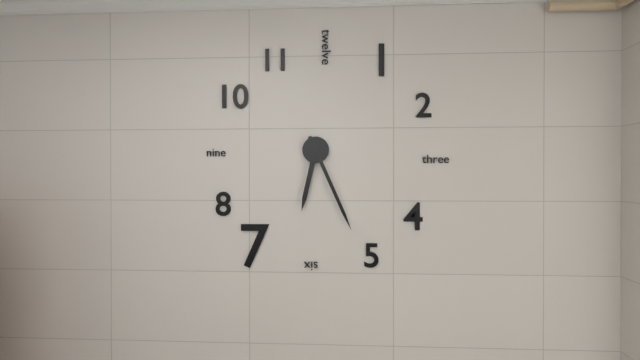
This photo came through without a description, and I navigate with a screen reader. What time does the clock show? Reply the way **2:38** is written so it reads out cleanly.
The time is **6:26**
